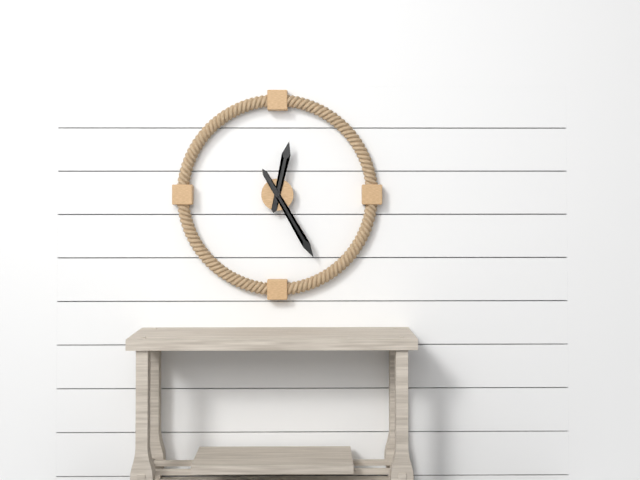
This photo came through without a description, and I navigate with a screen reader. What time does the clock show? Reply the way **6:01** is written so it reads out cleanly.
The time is **12:25**
